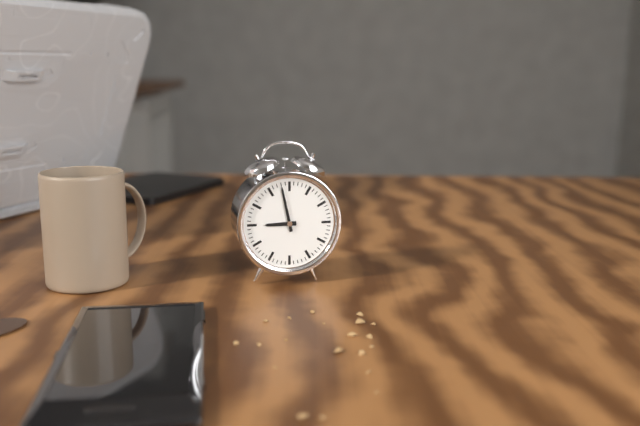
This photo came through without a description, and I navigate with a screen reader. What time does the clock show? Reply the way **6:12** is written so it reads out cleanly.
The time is **8:58**
